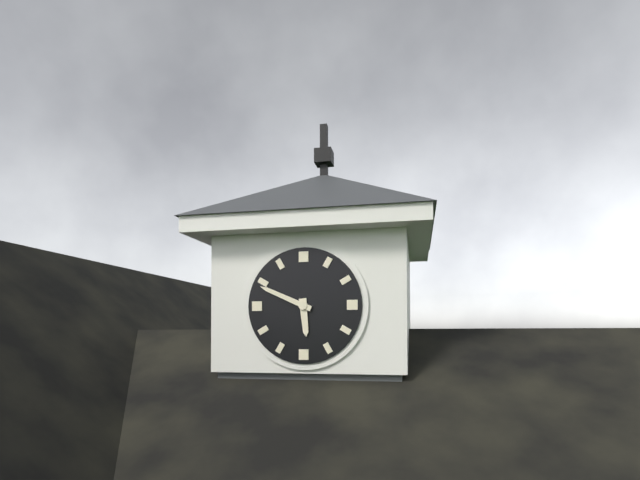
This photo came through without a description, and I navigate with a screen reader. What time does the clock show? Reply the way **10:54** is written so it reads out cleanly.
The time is **5:49**
